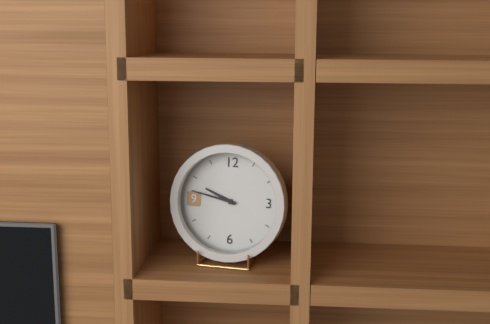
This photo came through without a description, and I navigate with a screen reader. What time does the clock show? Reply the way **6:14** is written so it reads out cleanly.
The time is **9:47**
